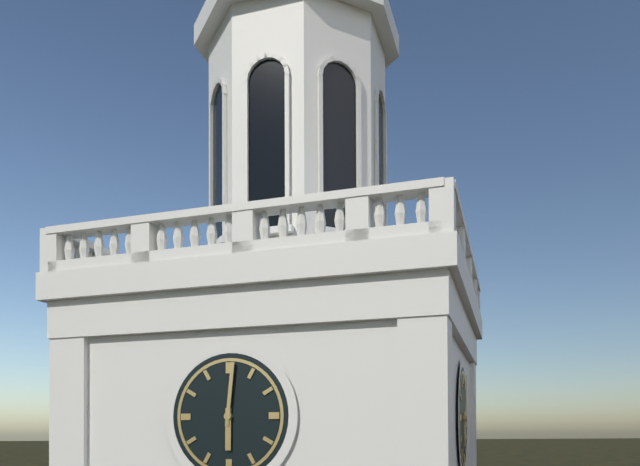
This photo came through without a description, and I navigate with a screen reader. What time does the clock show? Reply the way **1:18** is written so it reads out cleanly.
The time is **6:01**
